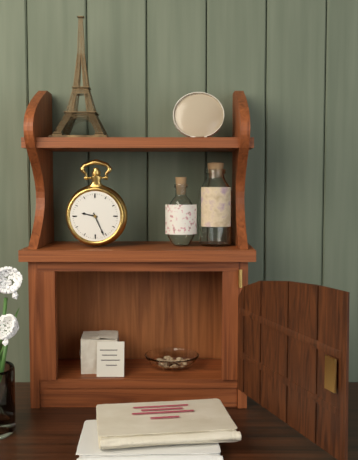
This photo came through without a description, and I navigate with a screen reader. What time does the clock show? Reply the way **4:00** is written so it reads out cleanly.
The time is **9:26**
